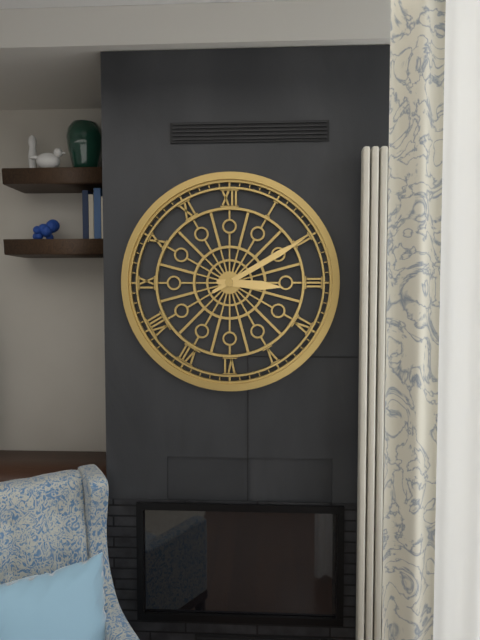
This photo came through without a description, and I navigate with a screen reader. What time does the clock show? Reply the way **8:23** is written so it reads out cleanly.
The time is **3:10**
